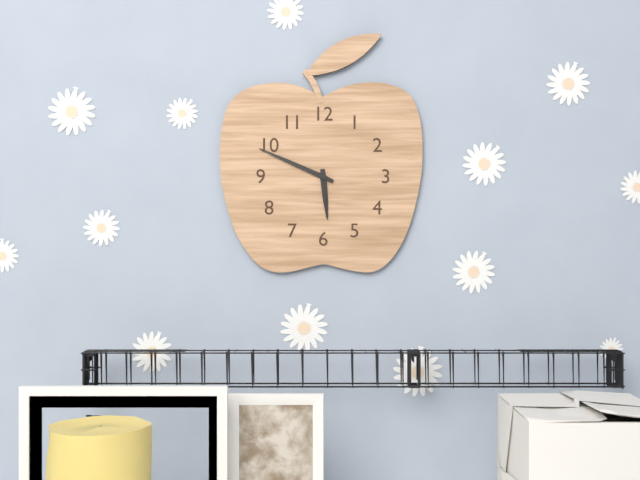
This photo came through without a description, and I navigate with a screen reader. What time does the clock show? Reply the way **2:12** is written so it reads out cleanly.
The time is **5:49**
